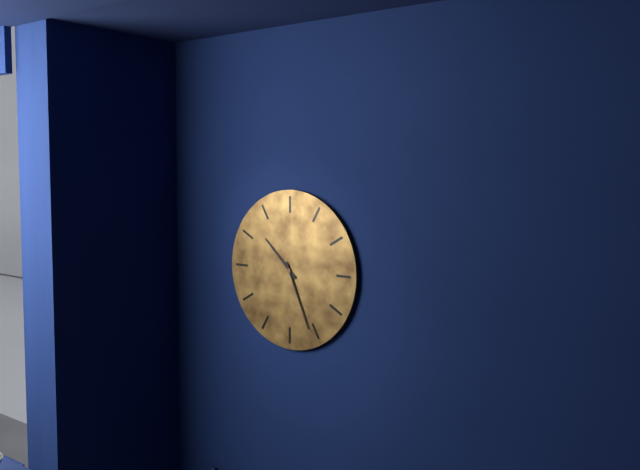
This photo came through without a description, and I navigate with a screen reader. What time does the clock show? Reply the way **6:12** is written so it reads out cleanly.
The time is **10:26**
